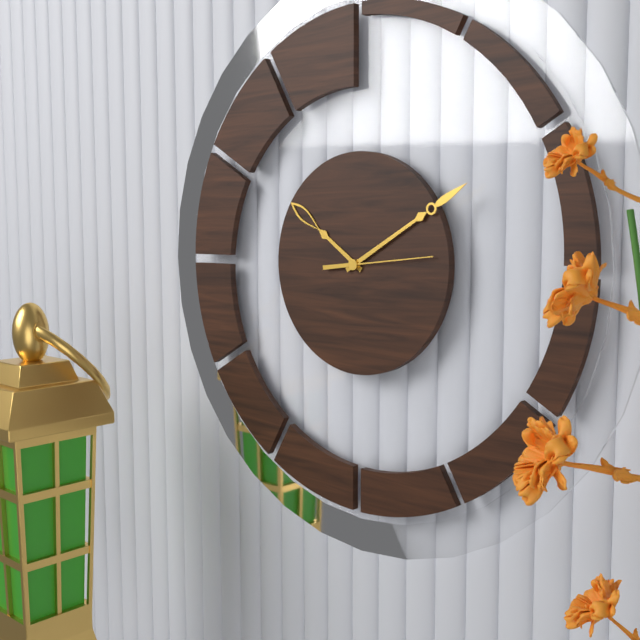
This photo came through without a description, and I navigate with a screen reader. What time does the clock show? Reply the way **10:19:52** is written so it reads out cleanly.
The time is **10:10:14**
